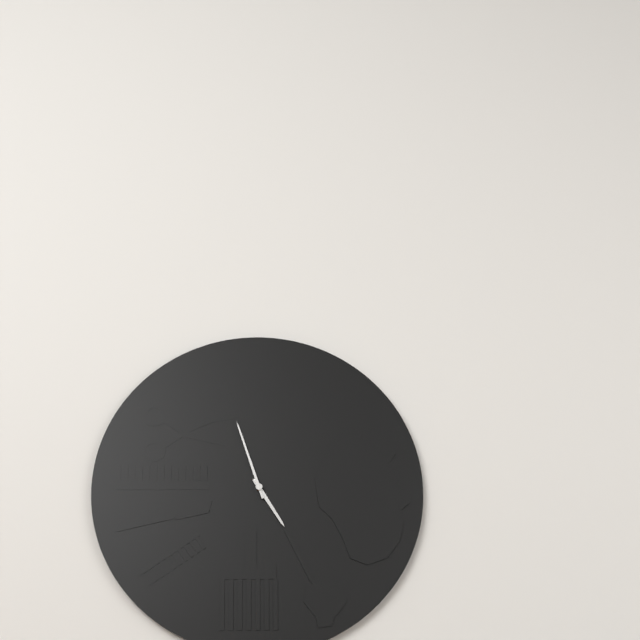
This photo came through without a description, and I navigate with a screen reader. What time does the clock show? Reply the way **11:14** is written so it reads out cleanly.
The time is **4:57**
